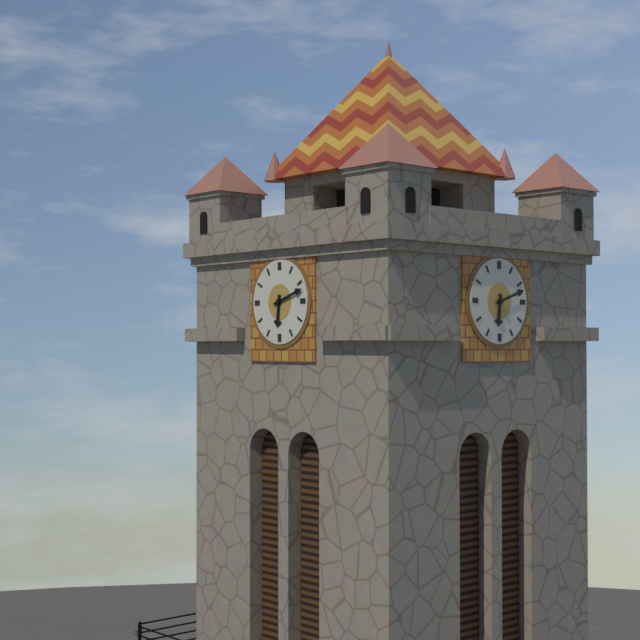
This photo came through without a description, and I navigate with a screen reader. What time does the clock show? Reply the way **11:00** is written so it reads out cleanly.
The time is **6:12**
